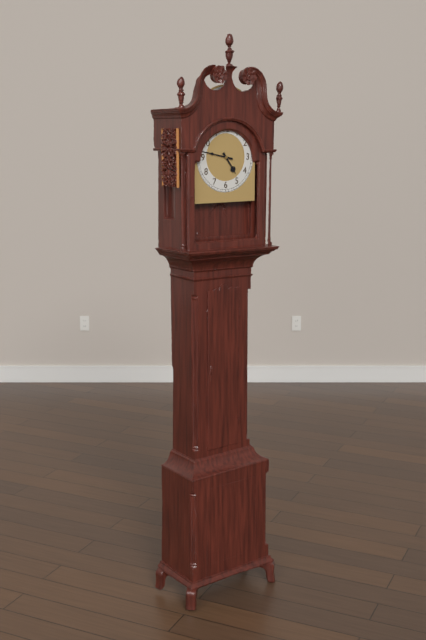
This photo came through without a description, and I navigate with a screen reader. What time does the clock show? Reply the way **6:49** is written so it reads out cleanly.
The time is **4:47**
